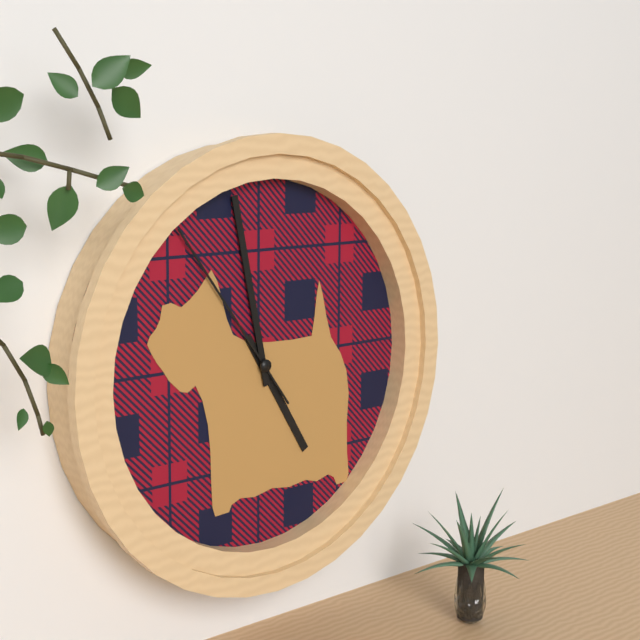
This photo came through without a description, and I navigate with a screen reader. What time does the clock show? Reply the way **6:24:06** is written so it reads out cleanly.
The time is **4:58:54**
